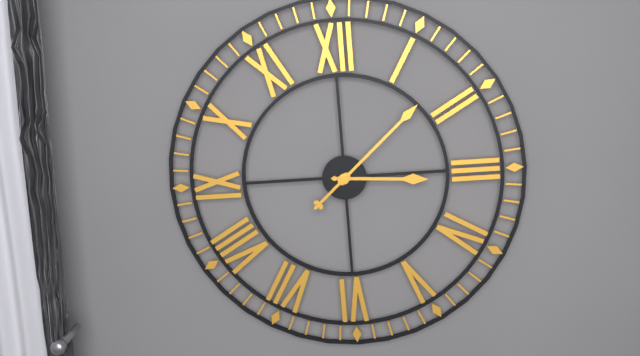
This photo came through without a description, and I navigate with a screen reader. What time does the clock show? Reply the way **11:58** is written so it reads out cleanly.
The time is **3:08**
